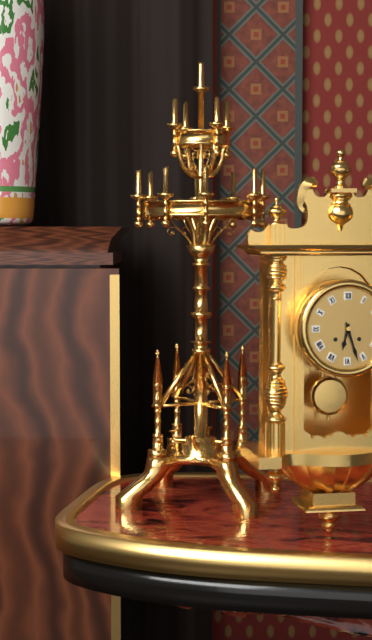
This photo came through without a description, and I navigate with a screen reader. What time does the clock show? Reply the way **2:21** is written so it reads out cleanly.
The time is **6:27**
